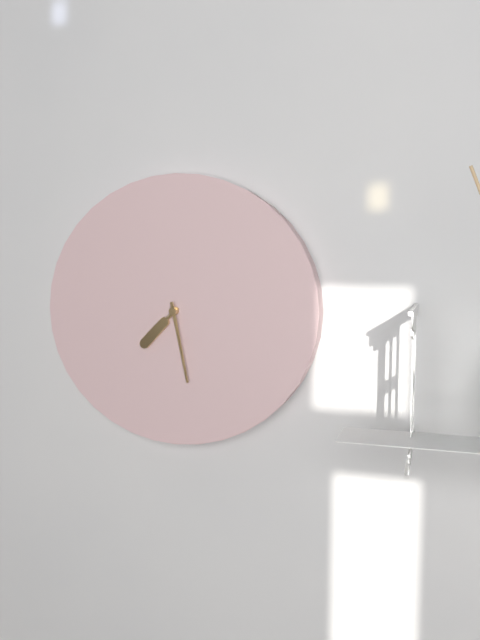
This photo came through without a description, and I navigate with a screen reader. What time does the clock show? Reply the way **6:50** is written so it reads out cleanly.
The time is **7:28**
